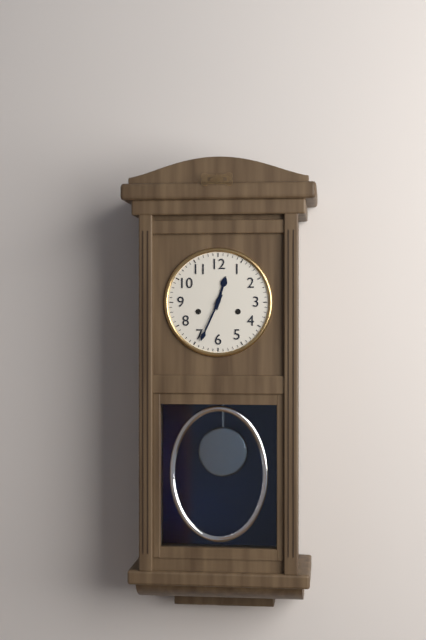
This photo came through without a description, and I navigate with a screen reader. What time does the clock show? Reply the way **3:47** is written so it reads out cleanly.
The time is **12:34**
